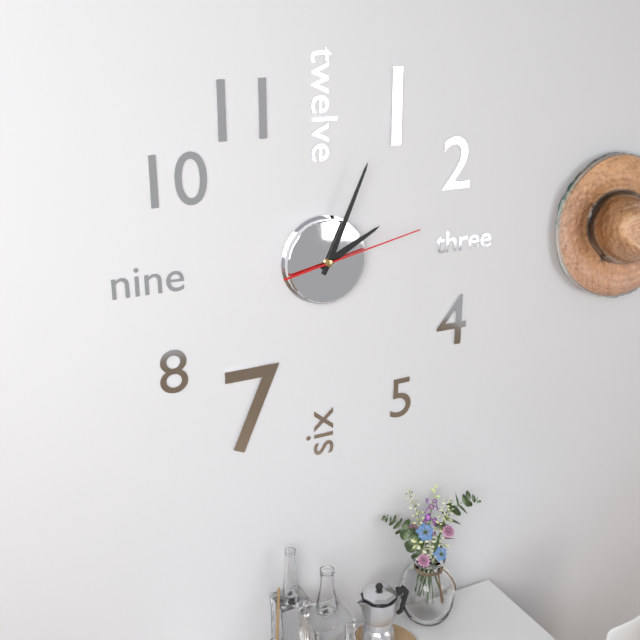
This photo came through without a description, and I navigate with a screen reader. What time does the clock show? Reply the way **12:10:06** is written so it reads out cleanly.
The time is **2:04:13**
